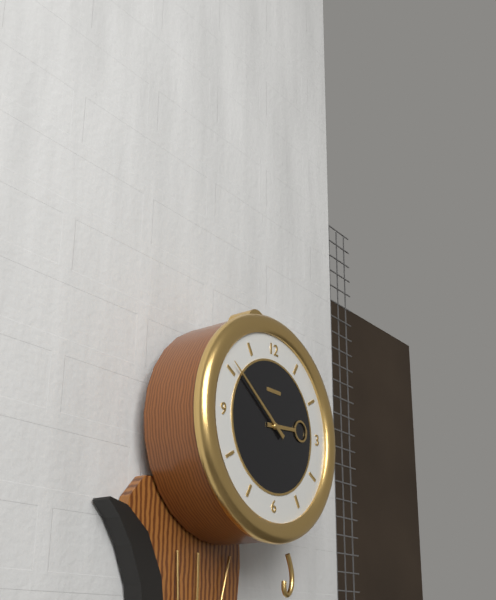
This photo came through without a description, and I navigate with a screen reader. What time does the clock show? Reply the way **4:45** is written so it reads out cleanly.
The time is **2:51**
